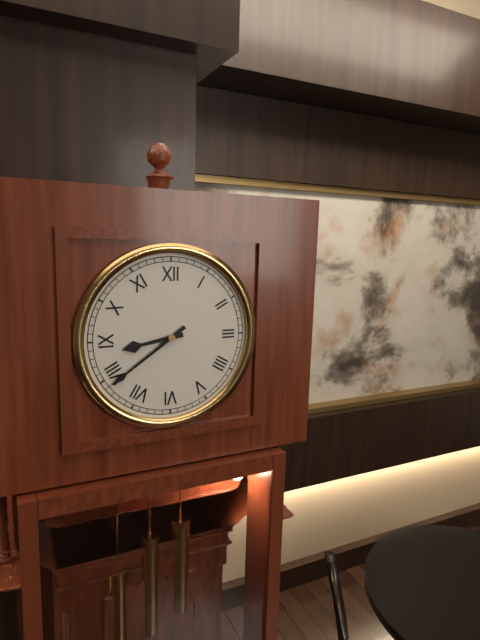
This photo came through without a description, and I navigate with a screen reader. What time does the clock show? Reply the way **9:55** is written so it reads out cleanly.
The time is **8:39**
